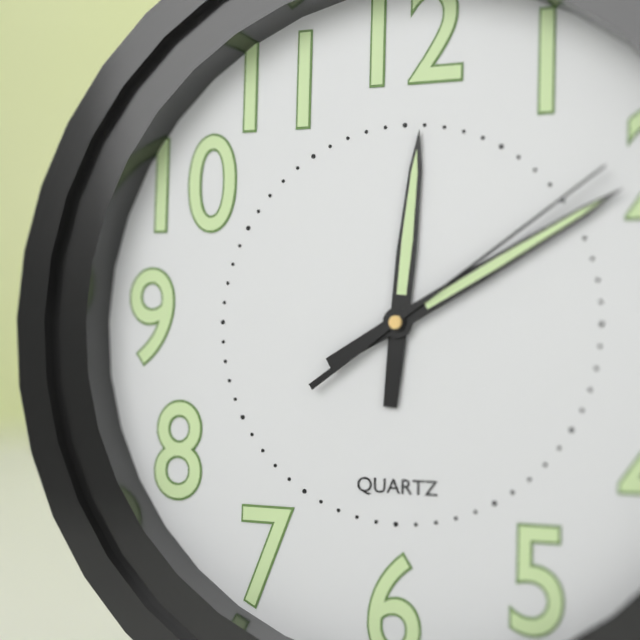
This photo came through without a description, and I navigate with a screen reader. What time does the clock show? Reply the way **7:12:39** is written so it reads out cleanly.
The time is **12:10:09**
